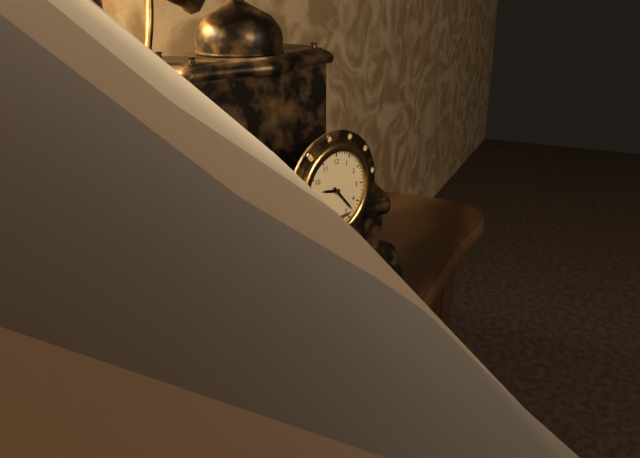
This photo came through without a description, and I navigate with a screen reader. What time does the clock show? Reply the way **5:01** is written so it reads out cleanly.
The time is **9:23**
